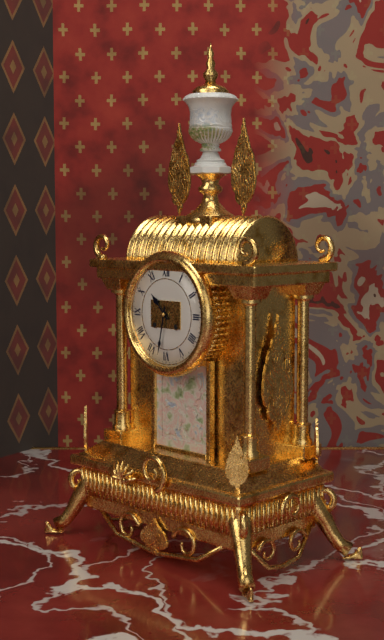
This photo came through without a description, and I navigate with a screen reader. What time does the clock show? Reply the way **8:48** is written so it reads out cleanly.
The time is **10:32**
